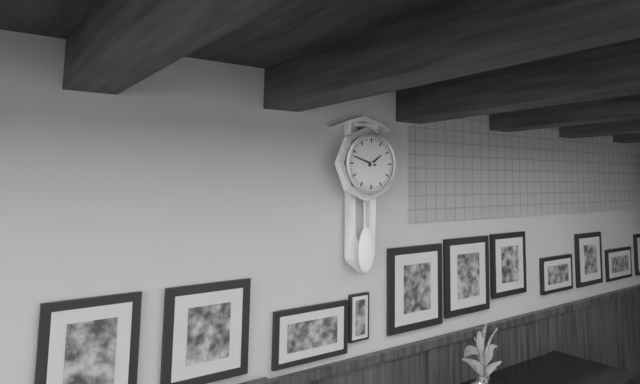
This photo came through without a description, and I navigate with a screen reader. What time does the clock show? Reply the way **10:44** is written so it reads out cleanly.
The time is **1:48**
